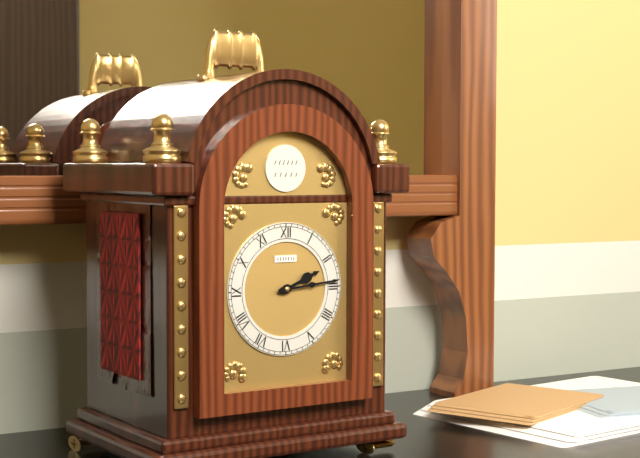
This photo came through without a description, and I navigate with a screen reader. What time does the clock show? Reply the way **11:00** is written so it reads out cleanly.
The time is **2:14**
